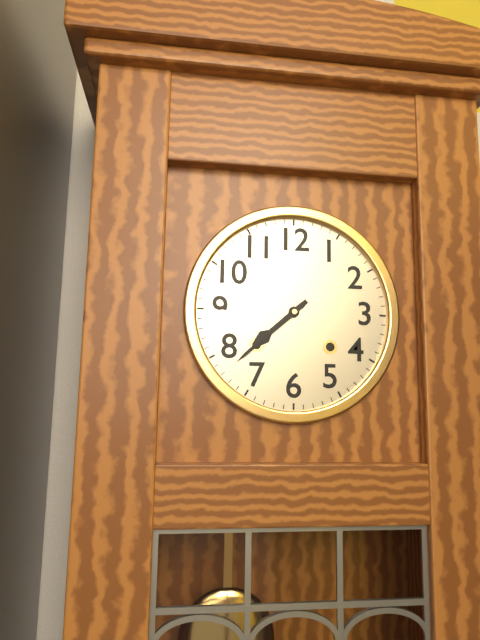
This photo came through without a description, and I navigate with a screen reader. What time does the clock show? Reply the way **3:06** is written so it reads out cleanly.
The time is **7:38**
